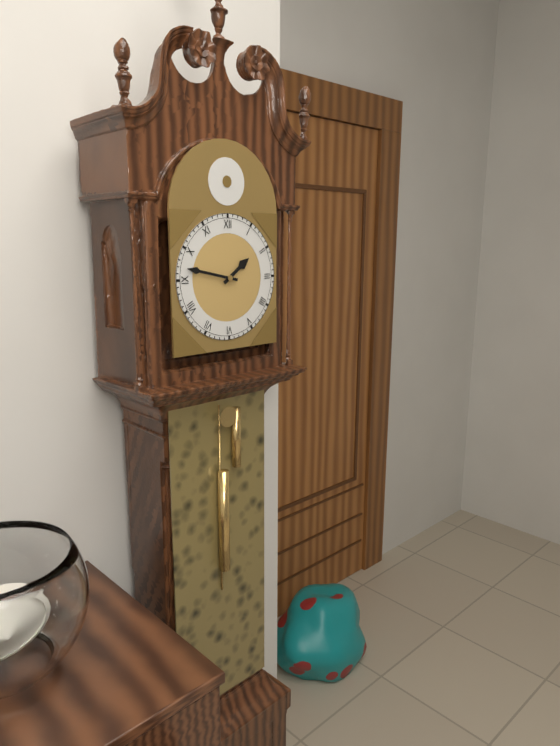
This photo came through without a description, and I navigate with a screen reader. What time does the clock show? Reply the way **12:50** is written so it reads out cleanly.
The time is **1:47**
